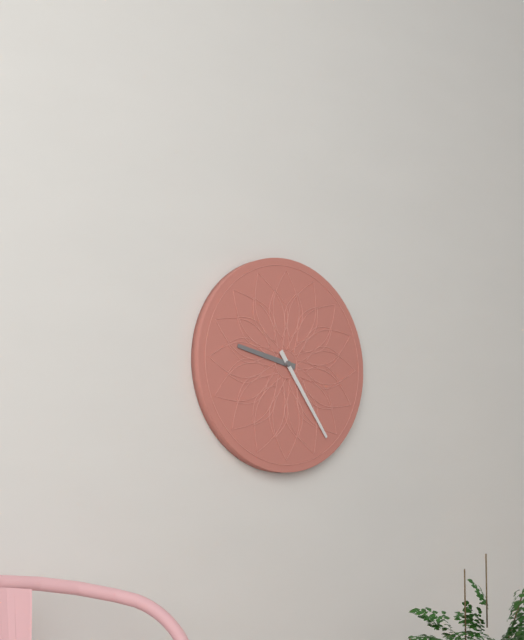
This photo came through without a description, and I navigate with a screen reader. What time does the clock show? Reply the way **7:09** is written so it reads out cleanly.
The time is **9:24**
